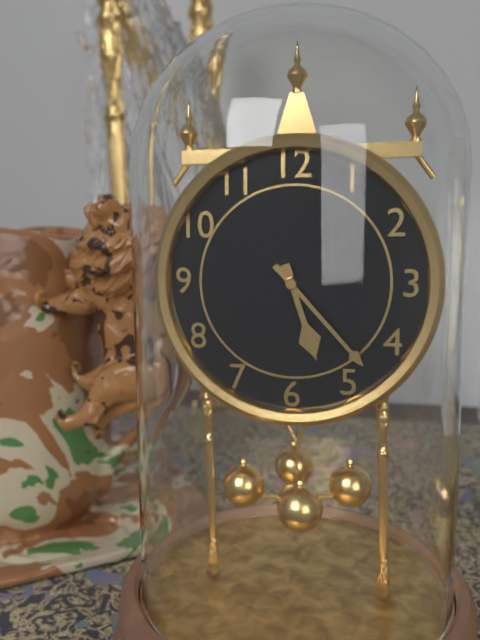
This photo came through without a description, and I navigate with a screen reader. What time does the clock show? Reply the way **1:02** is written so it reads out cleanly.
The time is **5:23**
